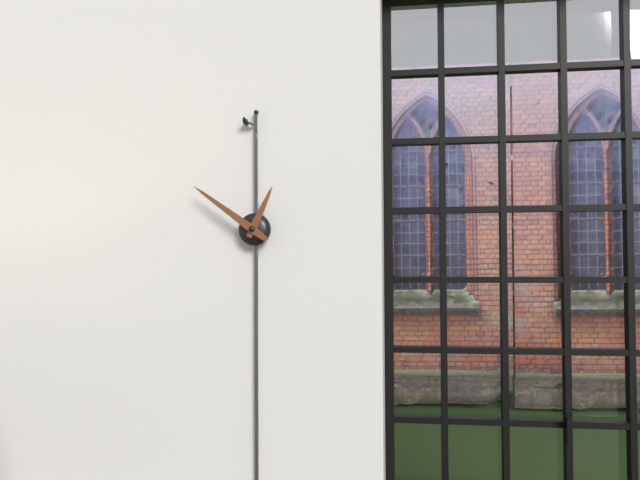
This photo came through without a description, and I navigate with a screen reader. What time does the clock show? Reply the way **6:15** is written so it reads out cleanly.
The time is **12:51**
